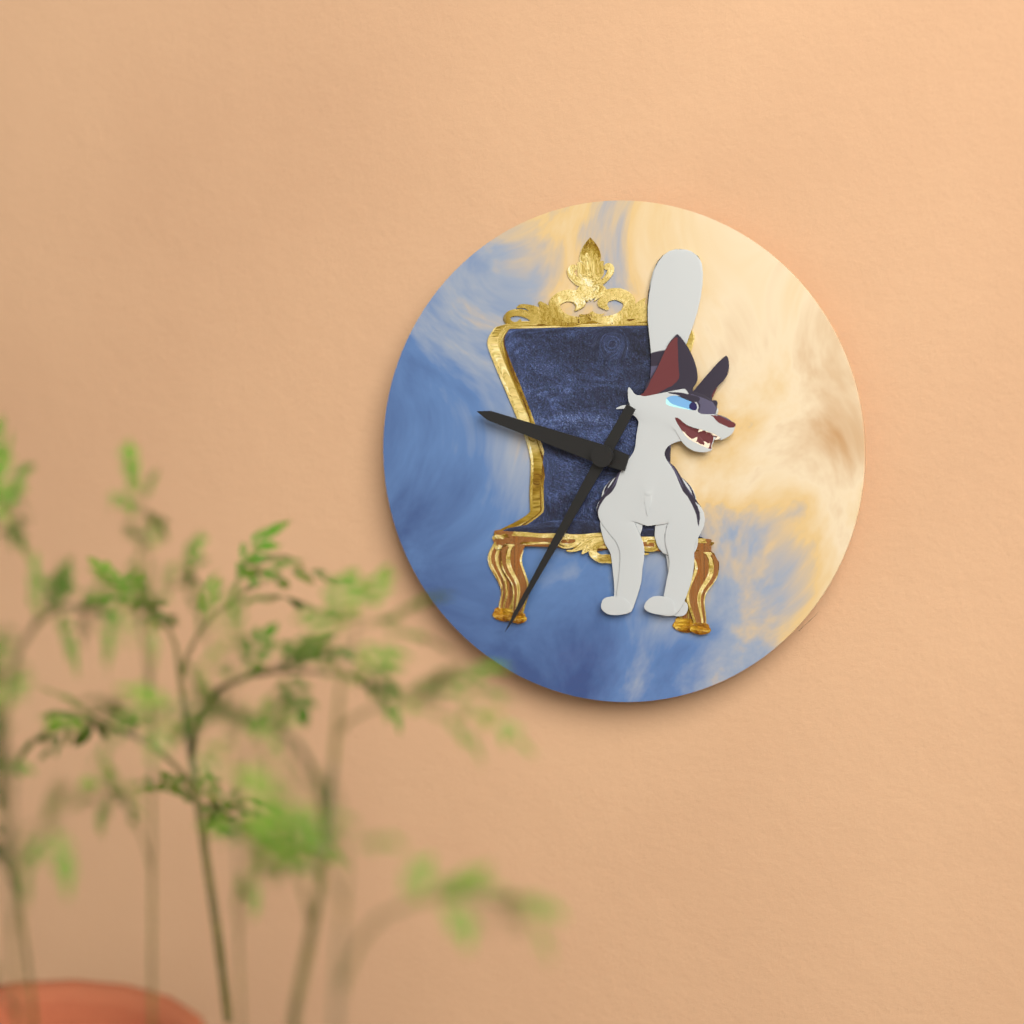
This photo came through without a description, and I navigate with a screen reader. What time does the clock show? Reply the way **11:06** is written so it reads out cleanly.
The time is **9:35**
